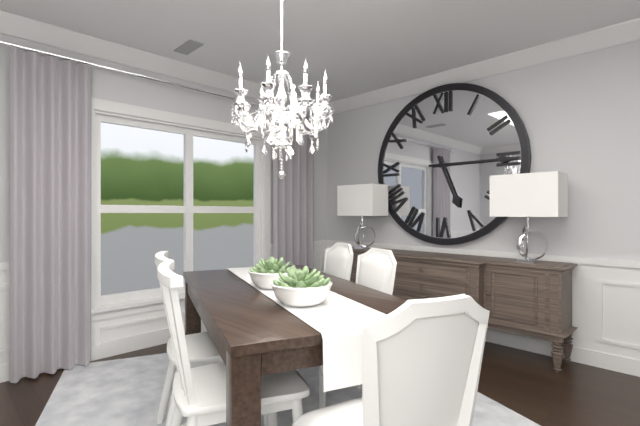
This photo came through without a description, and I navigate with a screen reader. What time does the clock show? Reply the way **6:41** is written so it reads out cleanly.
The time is **5:15**
